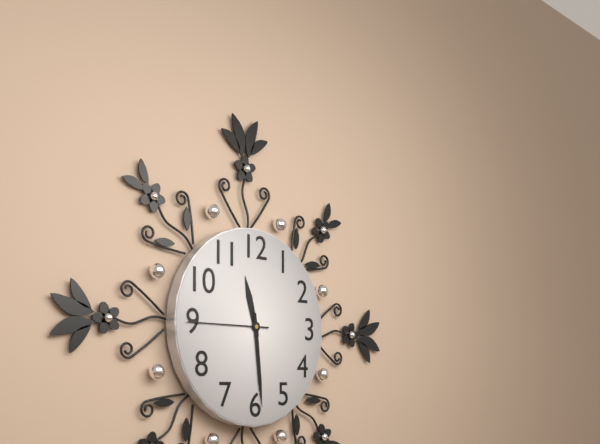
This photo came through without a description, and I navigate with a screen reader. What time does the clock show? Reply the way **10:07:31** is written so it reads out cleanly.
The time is **11:29:45**
